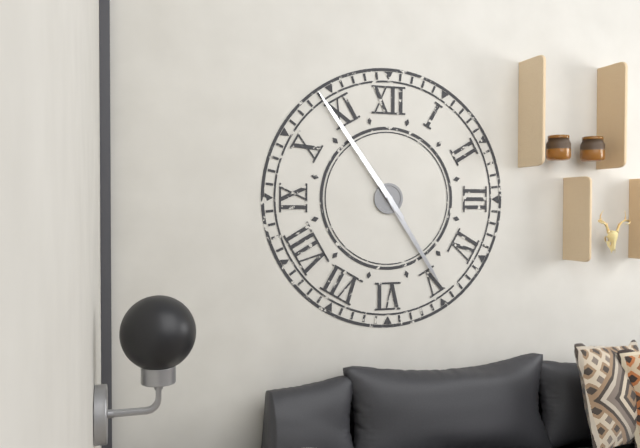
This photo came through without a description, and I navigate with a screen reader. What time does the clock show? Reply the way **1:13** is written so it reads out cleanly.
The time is **4:54**
